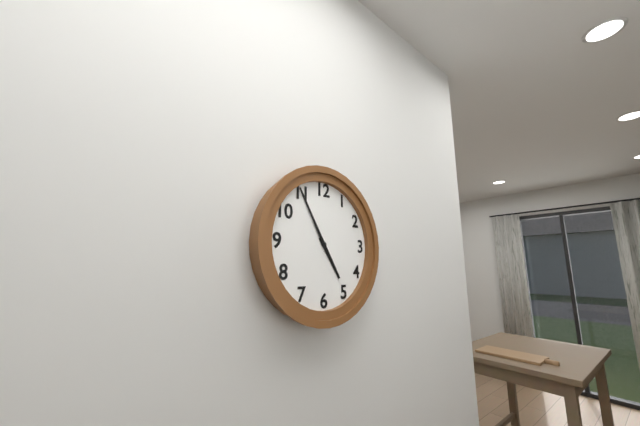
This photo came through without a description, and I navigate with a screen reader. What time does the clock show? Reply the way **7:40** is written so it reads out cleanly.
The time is **4:55**
